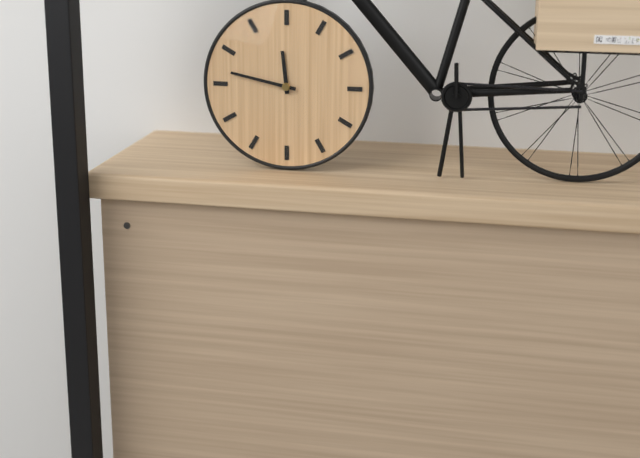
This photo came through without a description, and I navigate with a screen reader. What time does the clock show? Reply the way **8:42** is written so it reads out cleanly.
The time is **11:47**
